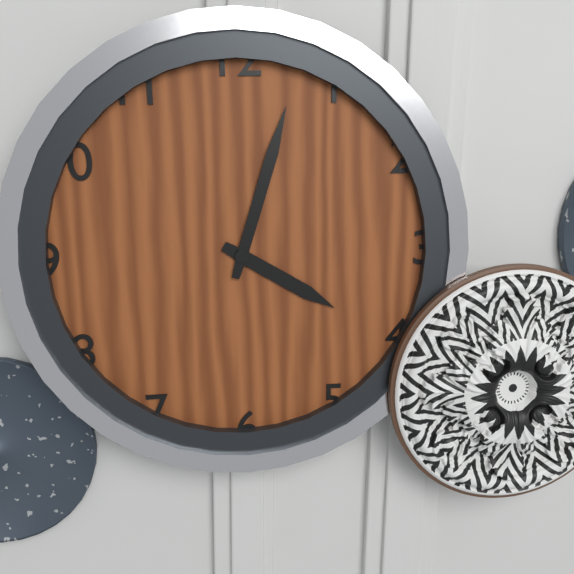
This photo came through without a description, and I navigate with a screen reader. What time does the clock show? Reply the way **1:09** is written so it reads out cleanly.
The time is **4:03**
